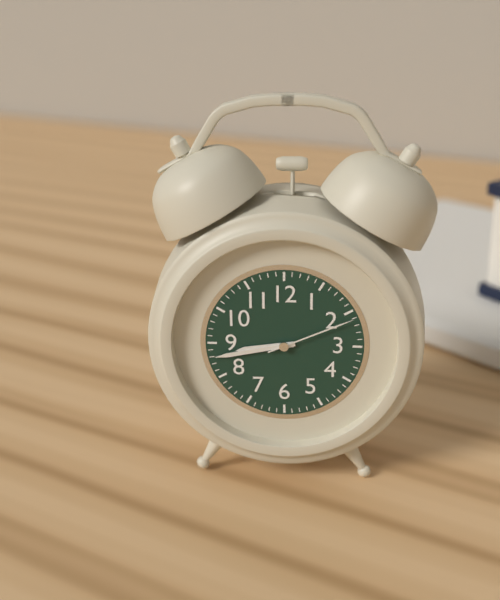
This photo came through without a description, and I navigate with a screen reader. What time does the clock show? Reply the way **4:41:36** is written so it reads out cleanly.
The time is **8:43:11**
